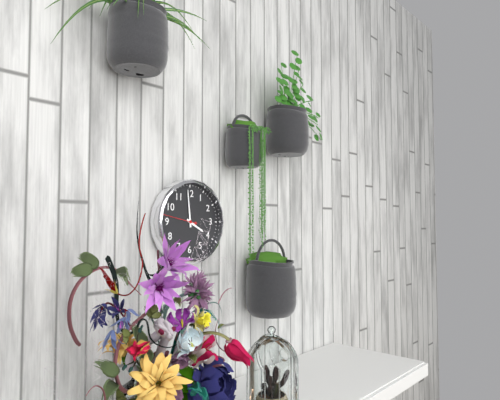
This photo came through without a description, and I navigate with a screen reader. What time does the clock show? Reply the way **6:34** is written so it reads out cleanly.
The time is **3:59**
